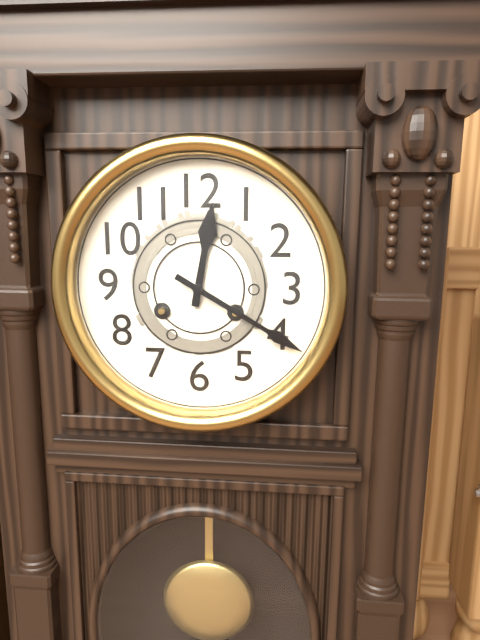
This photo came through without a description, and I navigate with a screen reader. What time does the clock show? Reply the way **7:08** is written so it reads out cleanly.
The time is **12:20**
